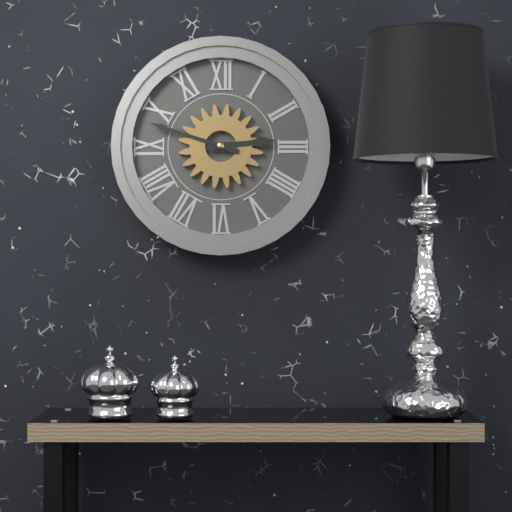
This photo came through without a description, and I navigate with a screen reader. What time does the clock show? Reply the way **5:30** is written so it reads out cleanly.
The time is **2:48**
